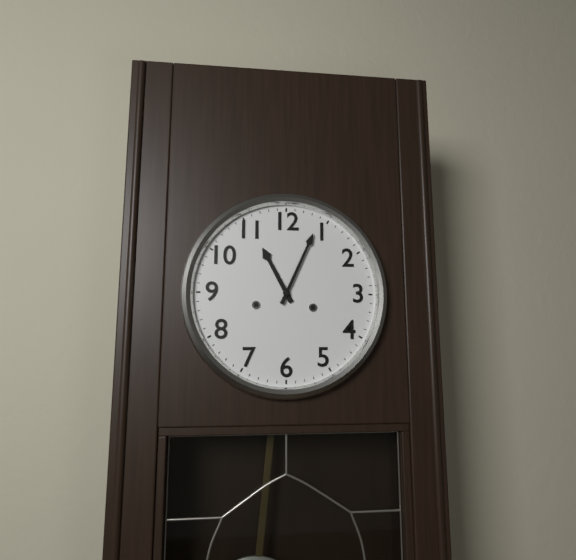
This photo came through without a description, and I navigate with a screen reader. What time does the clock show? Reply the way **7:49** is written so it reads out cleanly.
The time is **11:04**
